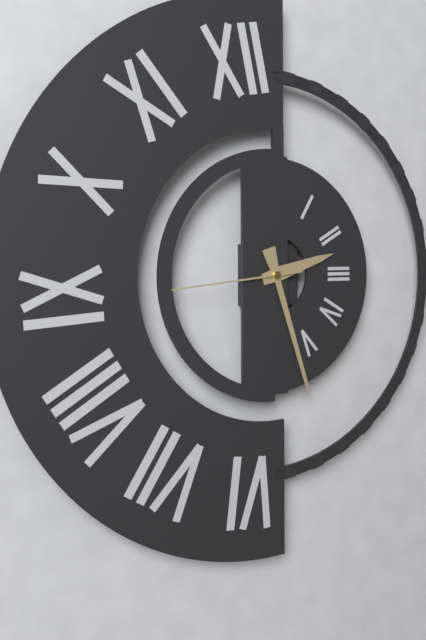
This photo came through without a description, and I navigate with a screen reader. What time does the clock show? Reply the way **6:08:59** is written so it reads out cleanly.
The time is **2:27:44**
